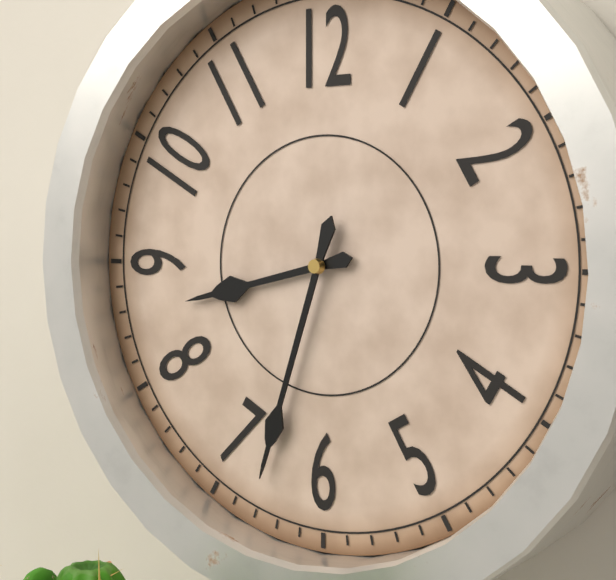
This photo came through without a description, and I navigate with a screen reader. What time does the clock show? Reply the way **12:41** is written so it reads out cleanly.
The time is **8:33**
